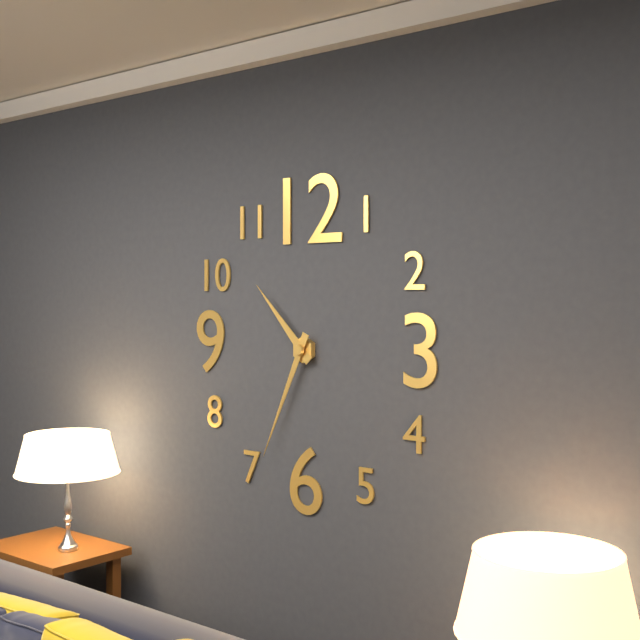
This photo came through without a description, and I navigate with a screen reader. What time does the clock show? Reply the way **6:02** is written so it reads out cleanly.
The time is **10:34**
